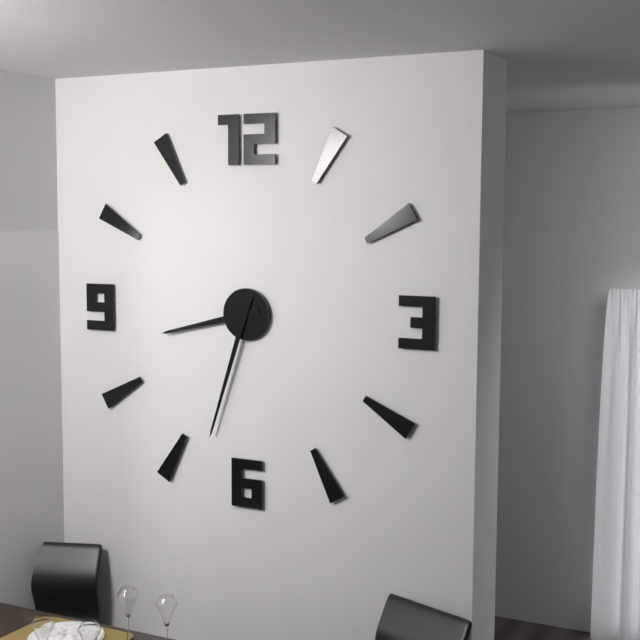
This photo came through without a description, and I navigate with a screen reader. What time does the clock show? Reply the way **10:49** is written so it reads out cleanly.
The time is **8:33**
